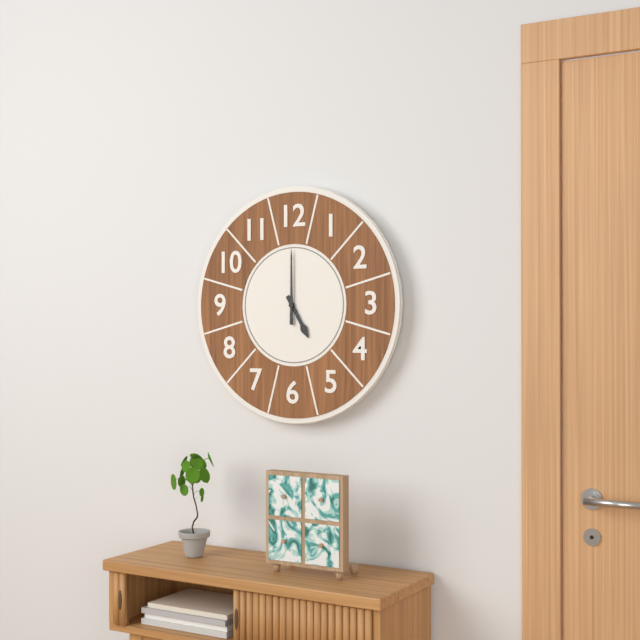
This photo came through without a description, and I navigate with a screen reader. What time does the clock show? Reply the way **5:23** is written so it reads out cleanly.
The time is **5:00**
